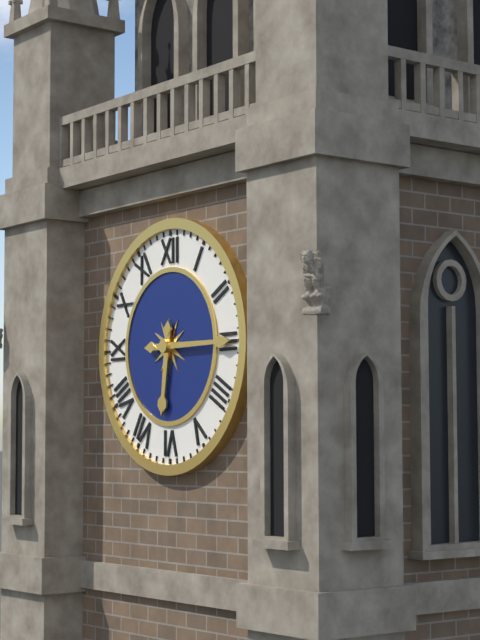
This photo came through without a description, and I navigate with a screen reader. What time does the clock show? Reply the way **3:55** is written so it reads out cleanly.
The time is **6:15**
